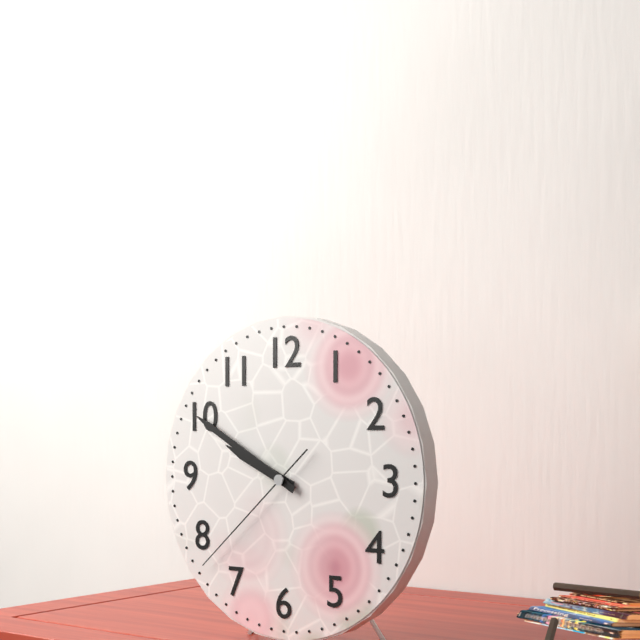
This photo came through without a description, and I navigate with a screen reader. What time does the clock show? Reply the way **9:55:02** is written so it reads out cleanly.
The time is **9:50:38**
